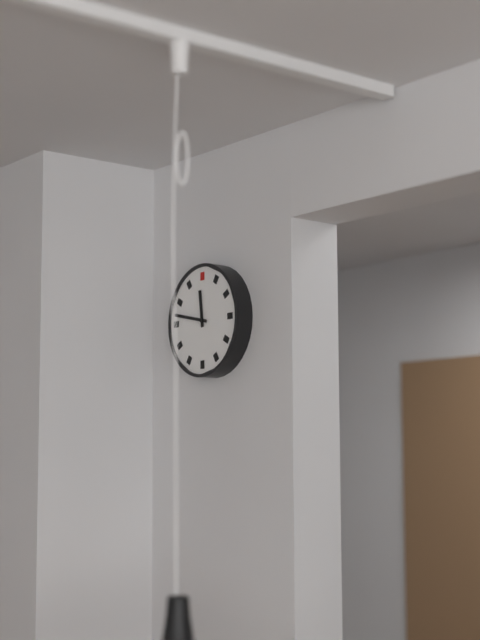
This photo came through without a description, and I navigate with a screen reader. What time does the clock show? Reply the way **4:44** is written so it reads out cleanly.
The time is **11:47**
